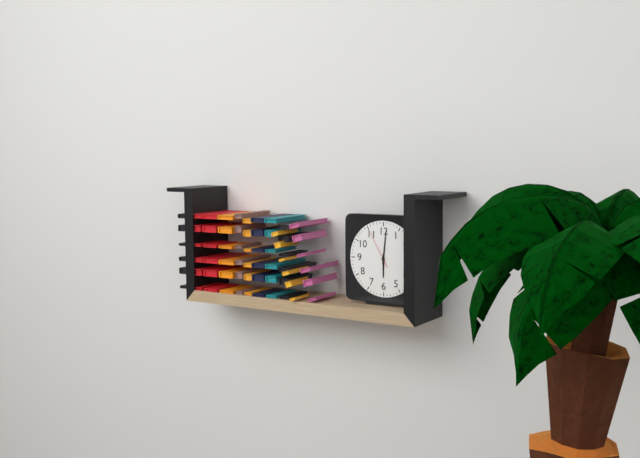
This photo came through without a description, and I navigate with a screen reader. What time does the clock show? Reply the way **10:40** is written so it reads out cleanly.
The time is **6:01**
